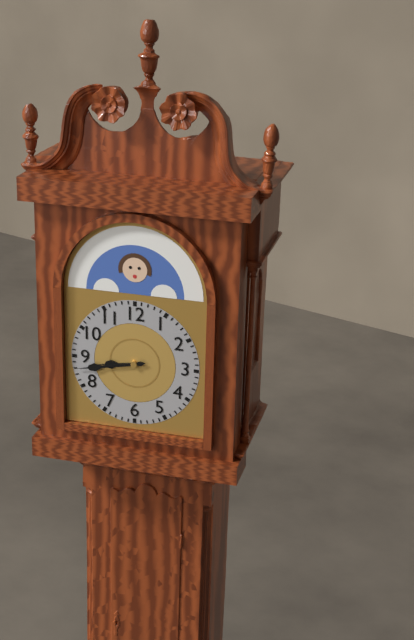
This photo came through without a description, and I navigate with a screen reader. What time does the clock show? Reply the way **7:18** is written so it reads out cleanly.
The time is **8:43**
